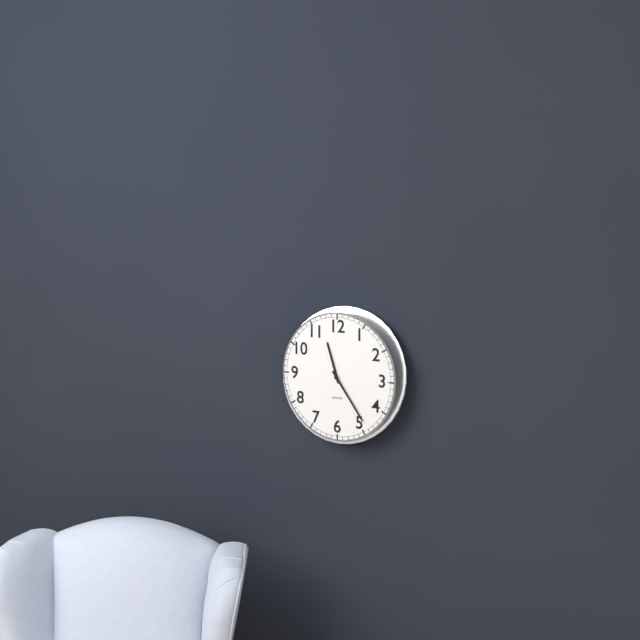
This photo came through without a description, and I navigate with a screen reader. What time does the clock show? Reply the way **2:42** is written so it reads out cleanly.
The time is **11:24**
